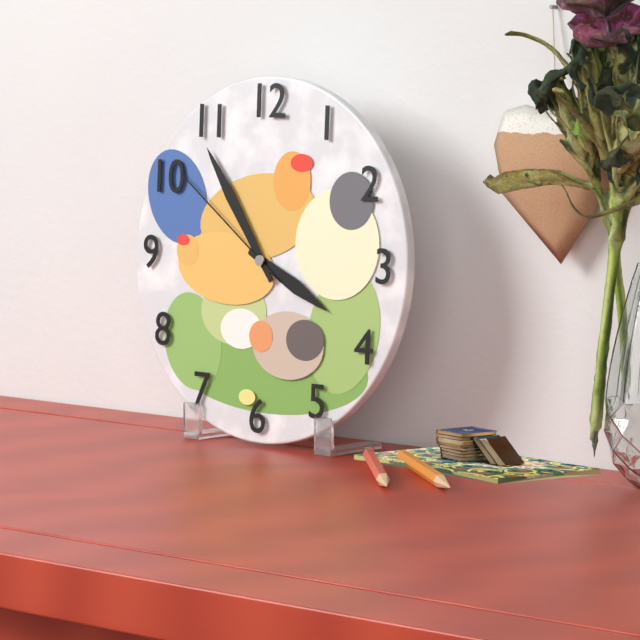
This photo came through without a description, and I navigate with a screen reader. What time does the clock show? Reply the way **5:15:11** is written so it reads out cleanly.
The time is **3:54:51**
